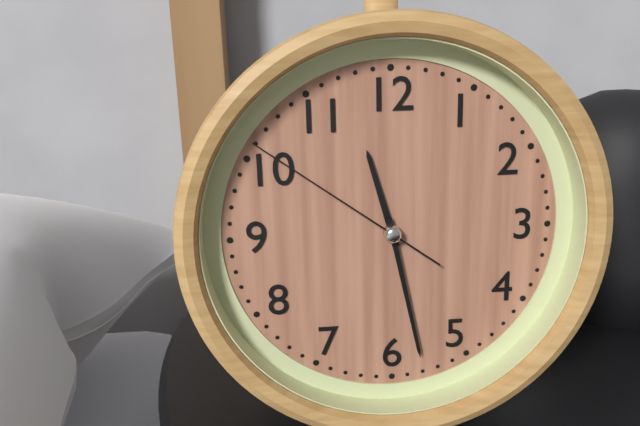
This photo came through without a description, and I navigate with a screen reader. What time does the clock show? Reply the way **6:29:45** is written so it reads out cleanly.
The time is **11:28:51**
